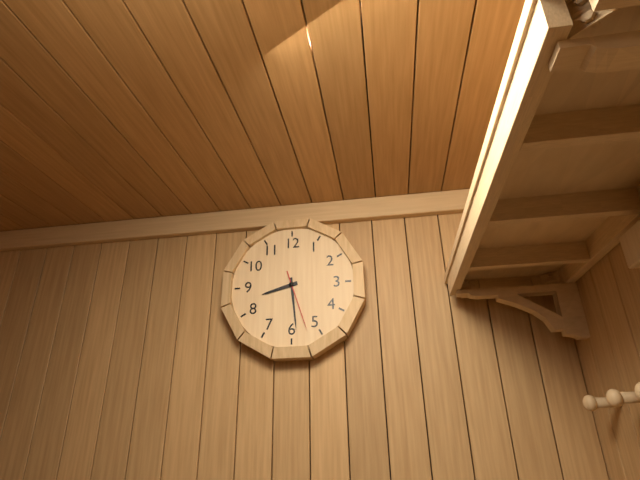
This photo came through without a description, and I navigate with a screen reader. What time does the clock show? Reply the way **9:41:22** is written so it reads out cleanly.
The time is **8:29:27**
